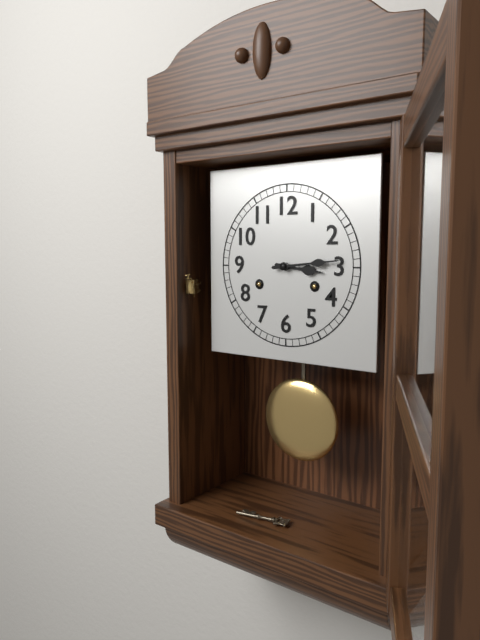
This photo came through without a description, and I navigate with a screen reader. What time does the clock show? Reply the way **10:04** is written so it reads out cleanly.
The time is **3:14**
